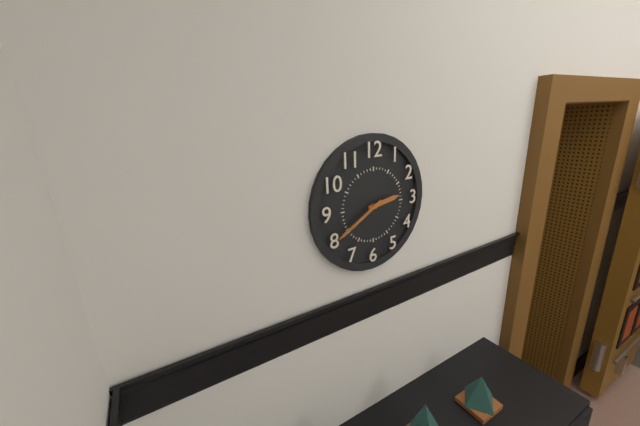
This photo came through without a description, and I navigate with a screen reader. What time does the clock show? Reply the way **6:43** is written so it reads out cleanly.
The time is **2:40**
